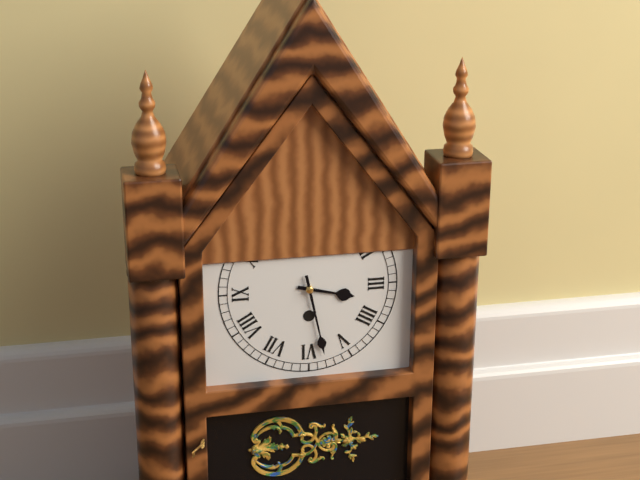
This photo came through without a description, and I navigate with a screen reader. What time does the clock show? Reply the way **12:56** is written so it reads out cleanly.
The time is **3:28**
